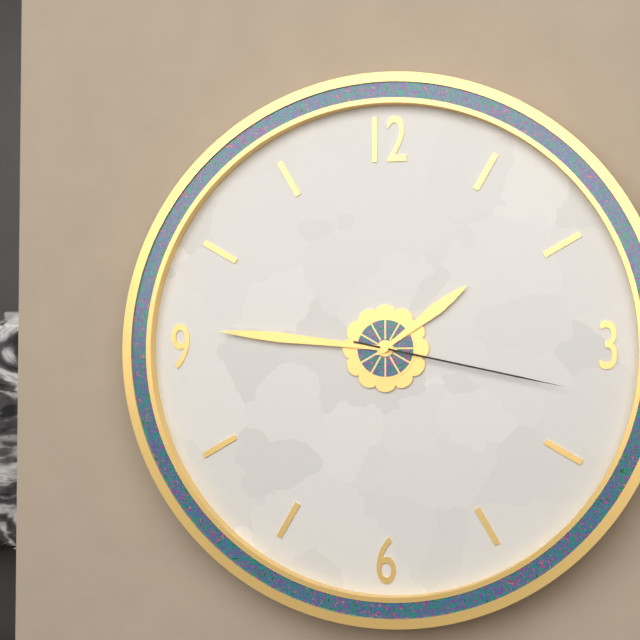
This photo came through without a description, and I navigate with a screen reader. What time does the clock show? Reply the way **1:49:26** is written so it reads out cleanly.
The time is **1:46:17**
